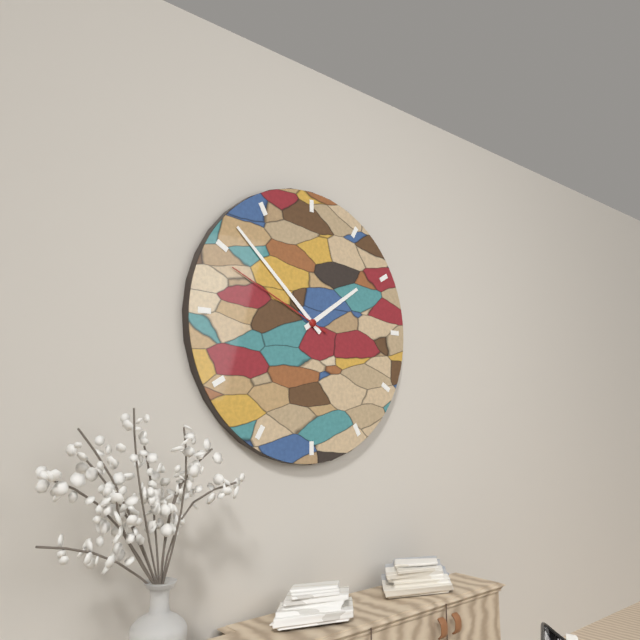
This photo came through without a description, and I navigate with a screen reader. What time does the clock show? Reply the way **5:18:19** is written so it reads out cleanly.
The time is **1:52:49**
